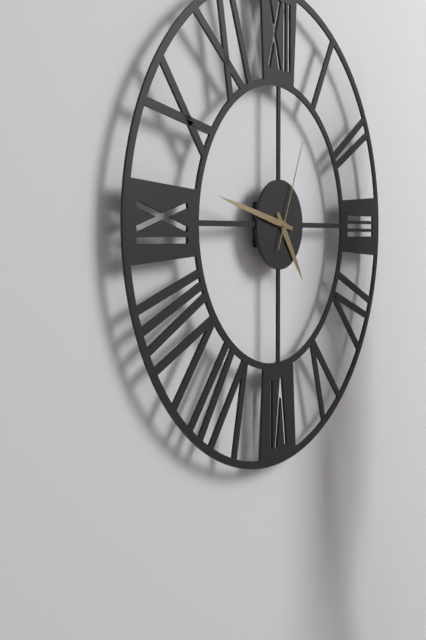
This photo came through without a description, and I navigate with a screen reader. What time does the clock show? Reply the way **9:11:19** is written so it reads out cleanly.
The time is **4:47:04**
